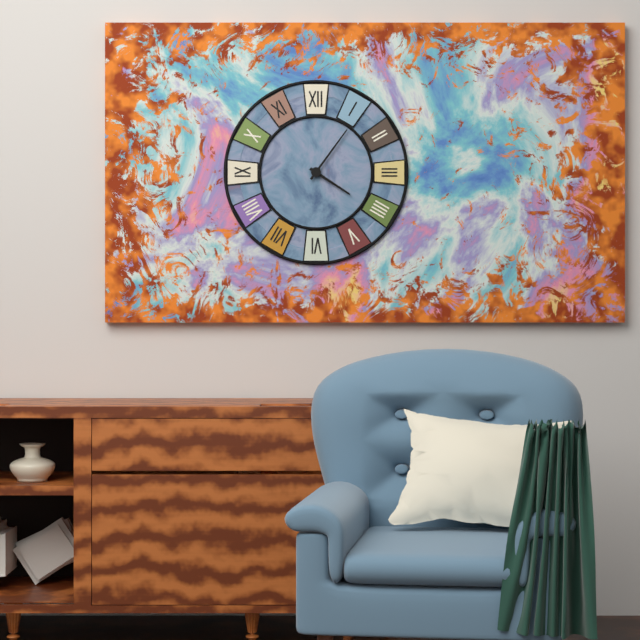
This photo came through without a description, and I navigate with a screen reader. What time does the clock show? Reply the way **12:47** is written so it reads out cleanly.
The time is **4:06**
